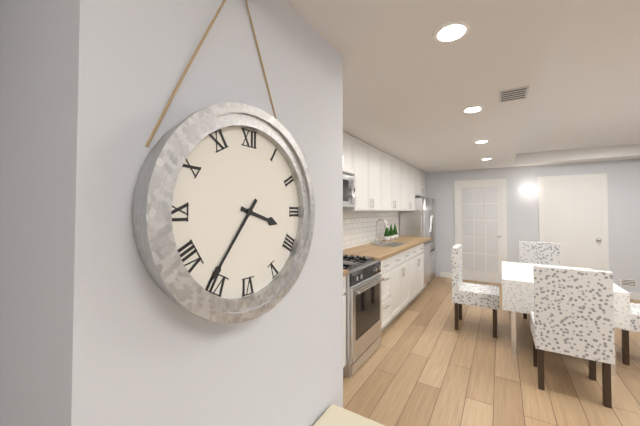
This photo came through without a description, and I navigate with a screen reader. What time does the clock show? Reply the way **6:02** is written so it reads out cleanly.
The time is **3:36**
